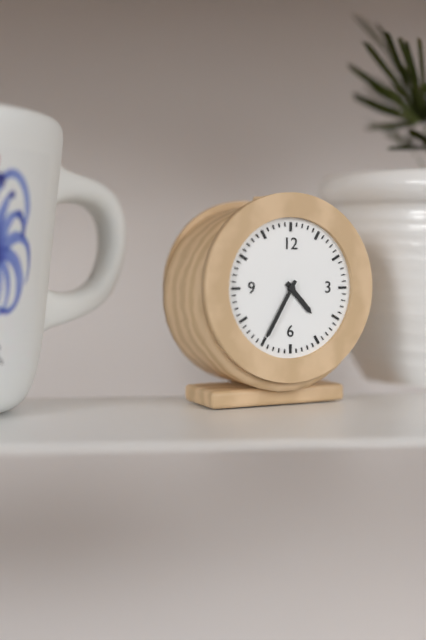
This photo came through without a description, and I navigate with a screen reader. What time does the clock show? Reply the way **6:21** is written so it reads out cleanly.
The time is **4:35**
